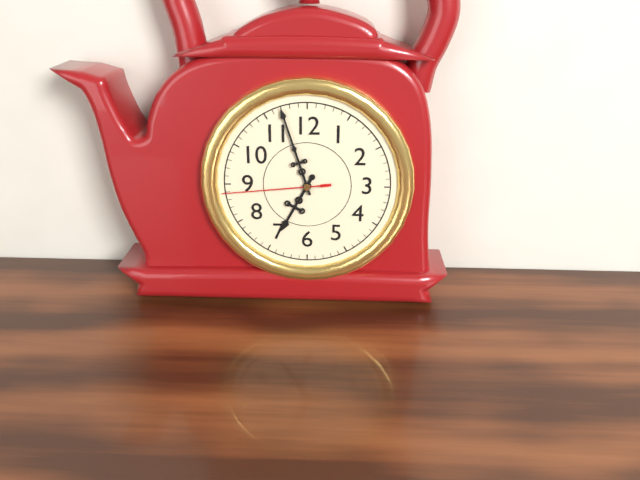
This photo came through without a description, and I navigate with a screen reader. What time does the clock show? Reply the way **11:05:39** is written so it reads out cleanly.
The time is **6:57:44**
